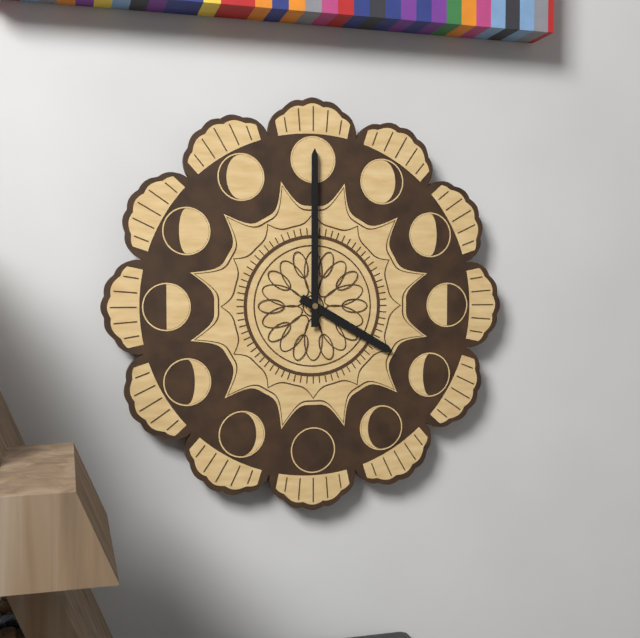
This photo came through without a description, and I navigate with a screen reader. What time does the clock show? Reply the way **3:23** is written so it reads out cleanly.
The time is **4:00**
